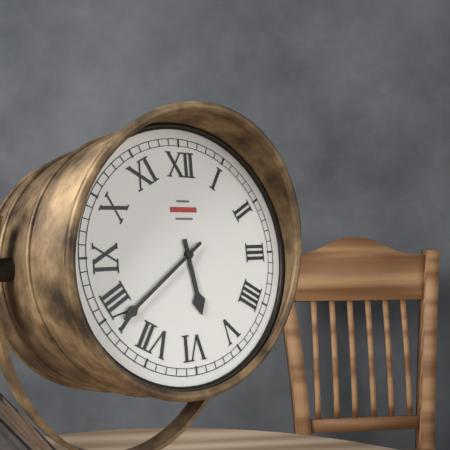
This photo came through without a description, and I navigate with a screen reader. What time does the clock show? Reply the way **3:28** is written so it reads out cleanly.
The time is **5:39**
